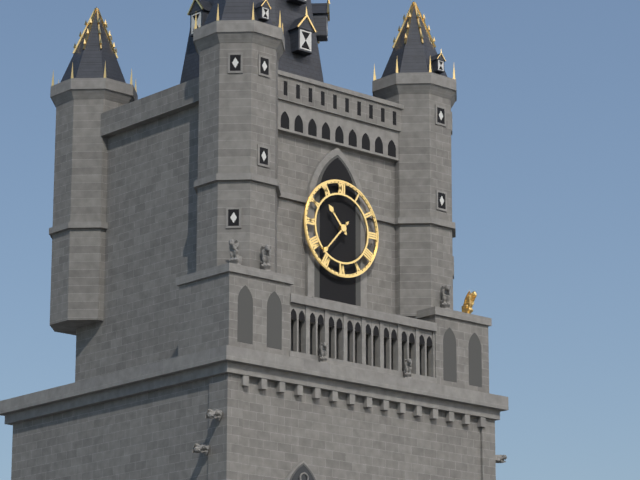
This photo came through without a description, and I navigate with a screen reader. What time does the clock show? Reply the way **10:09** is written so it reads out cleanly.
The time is **10:37**
